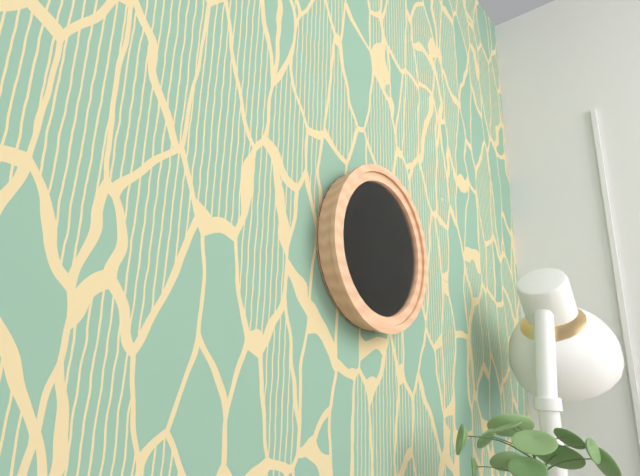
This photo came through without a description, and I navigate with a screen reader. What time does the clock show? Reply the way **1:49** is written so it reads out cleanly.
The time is **9:27**
